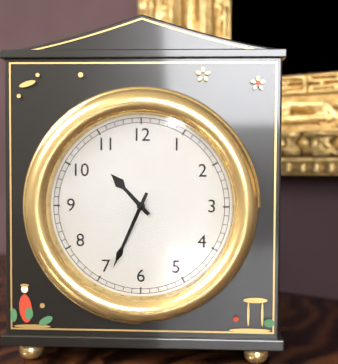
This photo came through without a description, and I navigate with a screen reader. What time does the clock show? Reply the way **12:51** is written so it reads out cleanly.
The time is **10:34**
